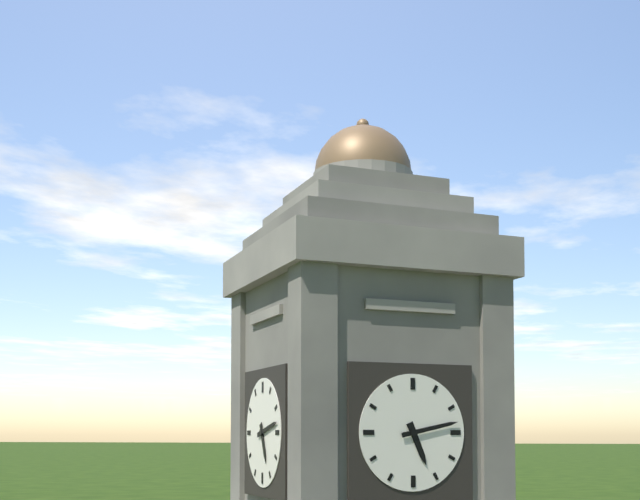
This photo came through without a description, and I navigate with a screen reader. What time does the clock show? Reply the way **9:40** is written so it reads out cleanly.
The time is **5:13**
